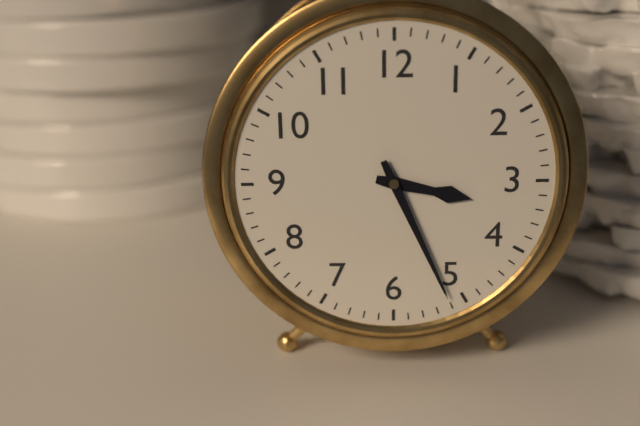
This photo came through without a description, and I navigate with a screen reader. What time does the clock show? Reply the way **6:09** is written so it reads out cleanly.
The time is **3:26**
